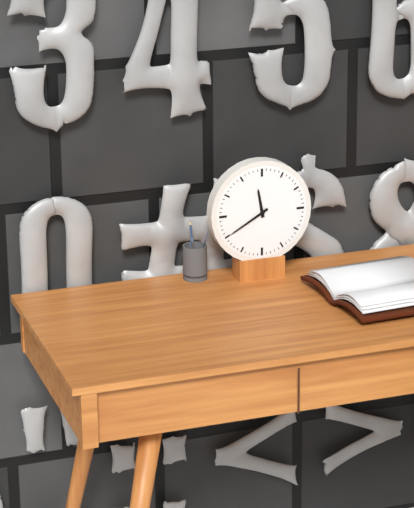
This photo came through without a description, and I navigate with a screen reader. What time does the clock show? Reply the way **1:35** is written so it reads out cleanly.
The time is **11:40**
